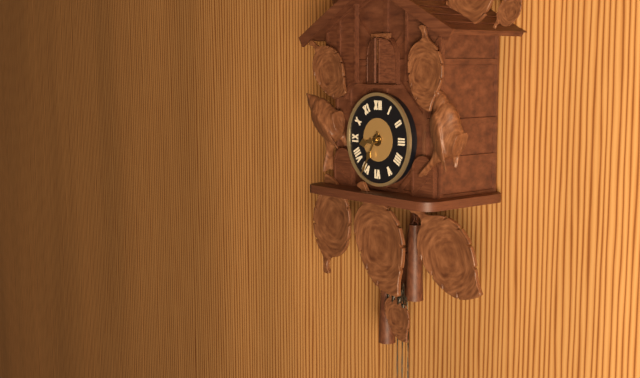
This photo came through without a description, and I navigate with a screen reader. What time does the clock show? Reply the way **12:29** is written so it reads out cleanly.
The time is **8:35**
